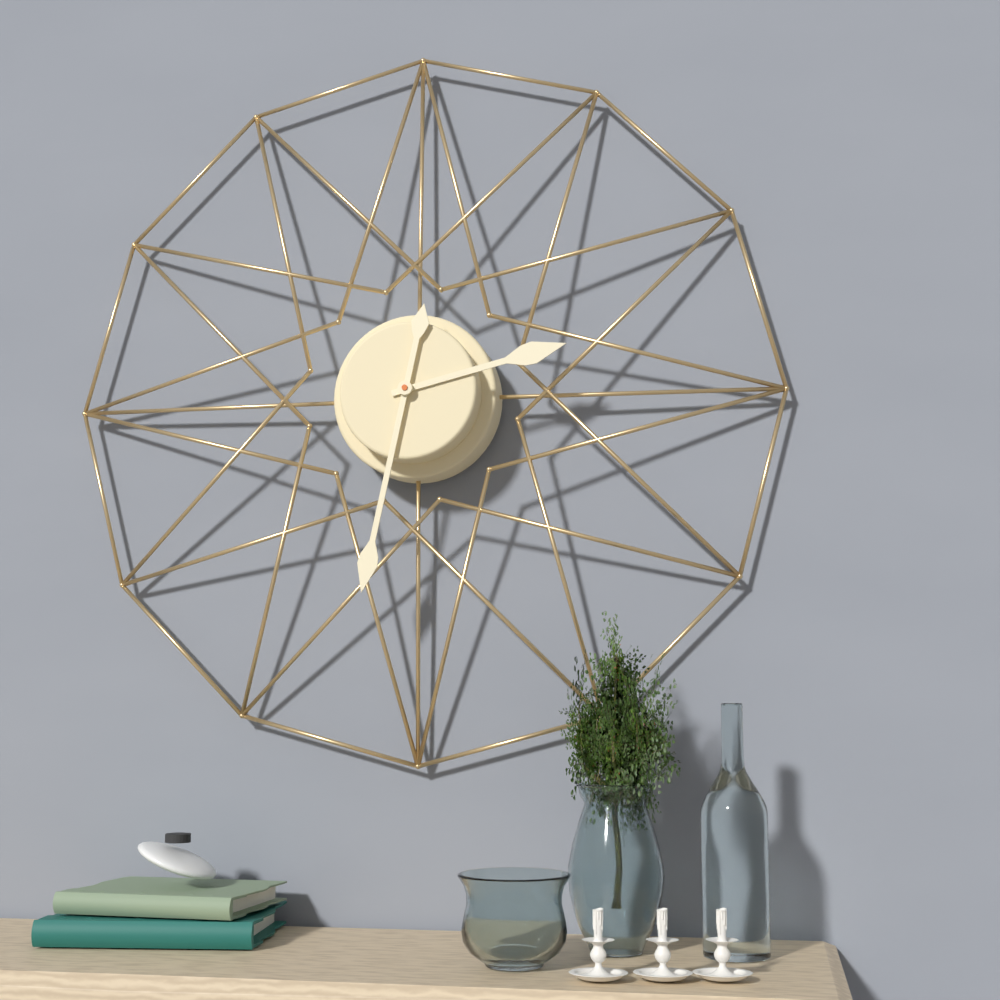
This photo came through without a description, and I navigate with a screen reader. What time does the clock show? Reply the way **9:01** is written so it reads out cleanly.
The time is **2:32**
